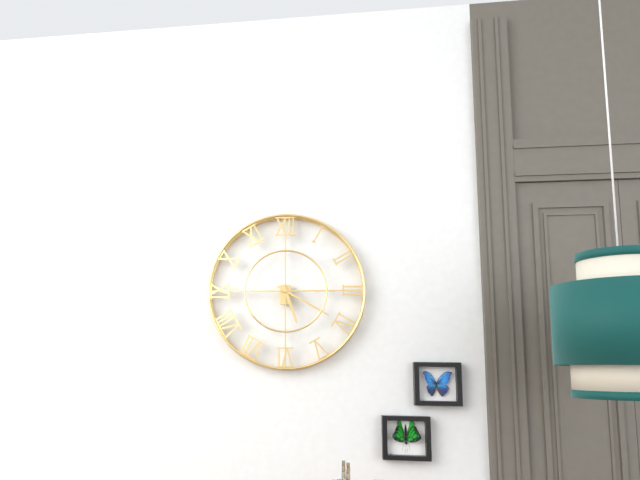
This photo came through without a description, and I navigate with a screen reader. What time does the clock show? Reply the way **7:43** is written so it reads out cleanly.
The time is **5:20**
